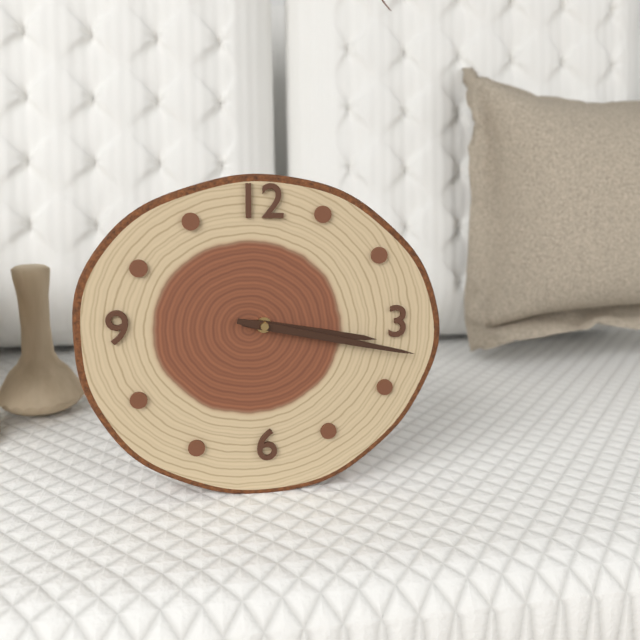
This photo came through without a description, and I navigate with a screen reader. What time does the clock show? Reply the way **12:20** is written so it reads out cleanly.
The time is **3:17**
